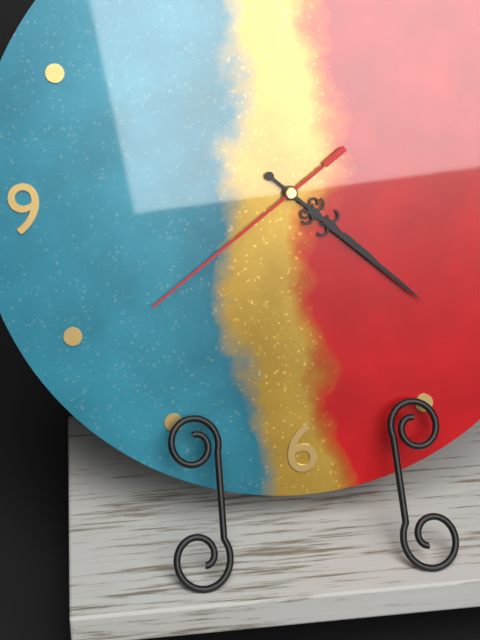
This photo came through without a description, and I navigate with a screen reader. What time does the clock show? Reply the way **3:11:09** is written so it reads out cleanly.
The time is **4:22:39**
